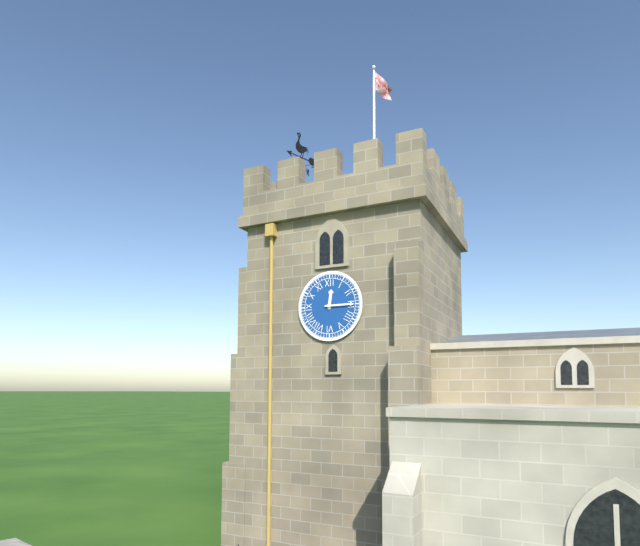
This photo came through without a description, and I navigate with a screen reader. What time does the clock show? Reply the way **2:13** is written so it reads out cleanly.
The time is **12:15**
